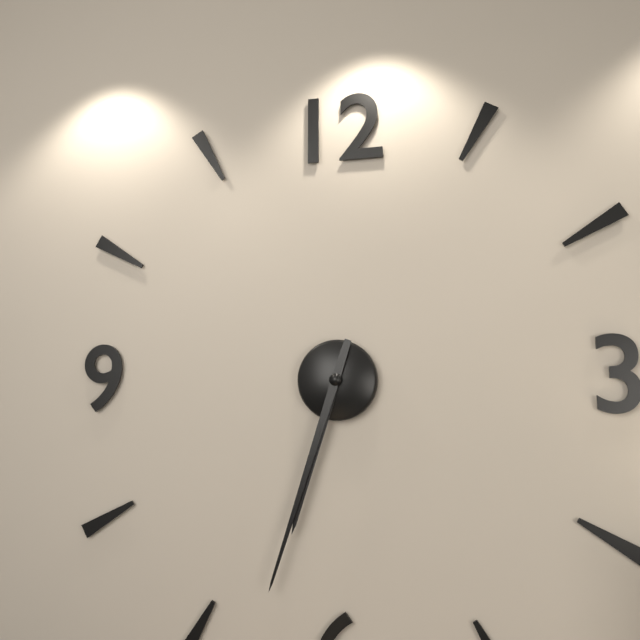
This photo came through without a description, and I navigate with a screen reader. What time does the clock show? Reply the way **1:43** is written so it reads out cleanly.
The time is **6:33**
